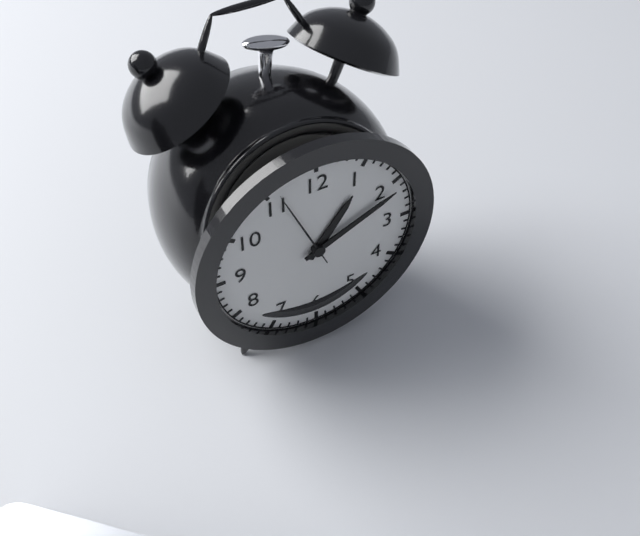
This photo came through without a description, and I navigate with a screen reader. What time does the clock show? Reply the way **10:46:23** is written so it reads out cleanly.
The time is **1:11:56**
